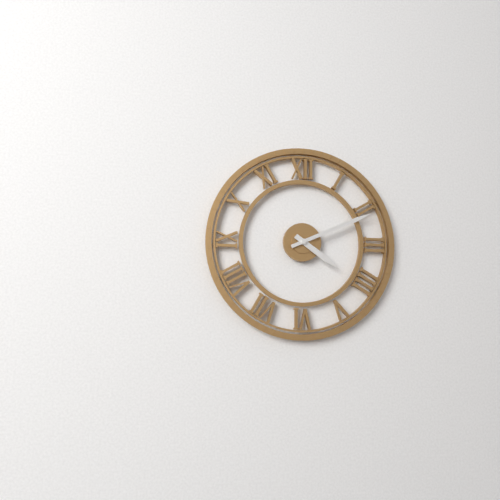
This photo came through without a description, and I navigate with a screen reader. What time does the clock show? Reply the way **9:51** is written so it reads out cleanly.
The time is **4:11**
